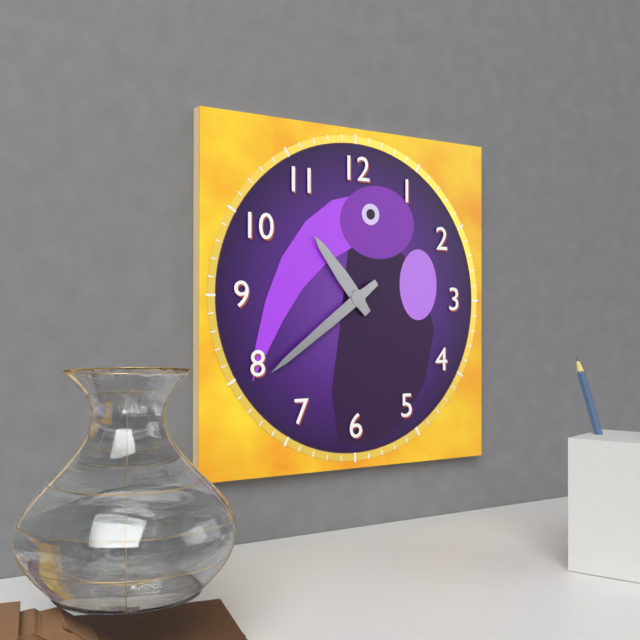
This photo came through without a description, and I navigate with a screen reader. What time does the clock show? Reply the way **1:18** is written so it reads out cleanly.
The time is **10:39**
